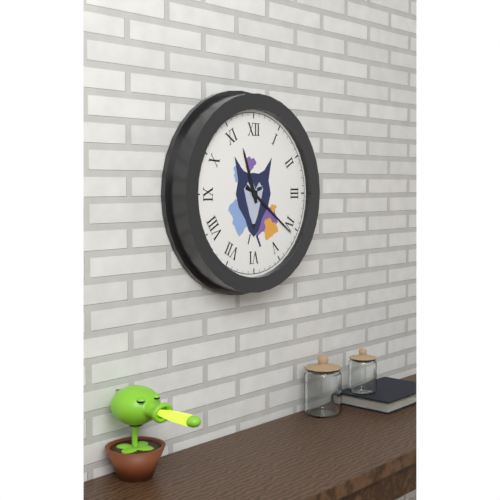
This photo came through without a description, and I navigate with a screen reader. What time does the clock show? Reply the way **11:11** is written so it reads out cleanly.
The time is **11:21**
